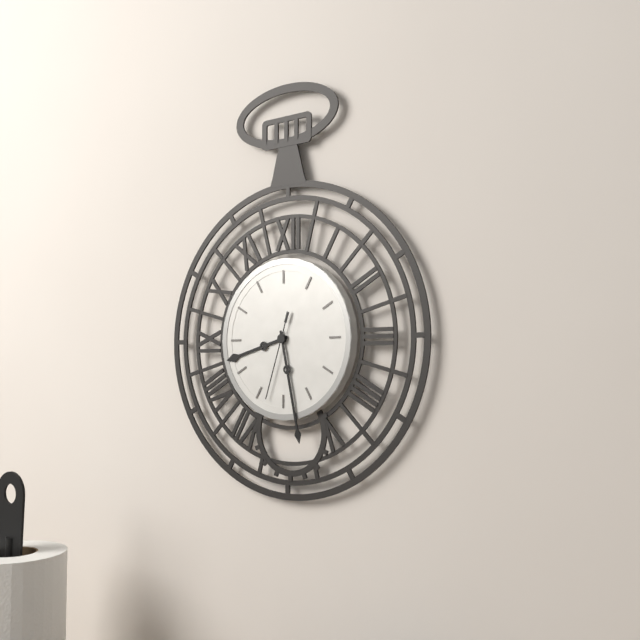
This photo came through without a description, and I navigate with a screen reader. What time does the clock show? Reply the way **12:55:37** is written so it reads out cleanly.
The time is **8:28:33**
